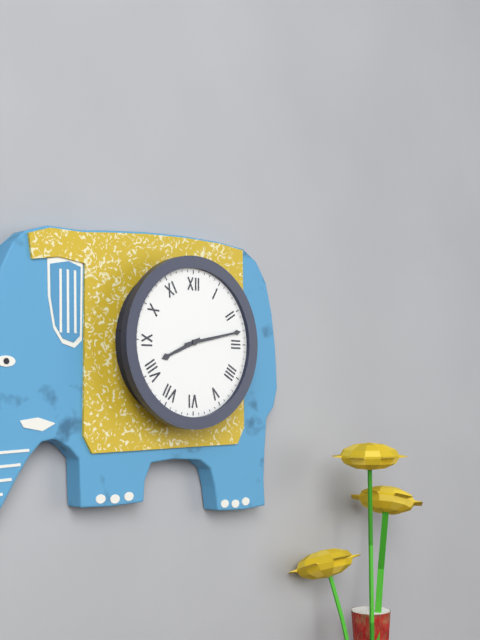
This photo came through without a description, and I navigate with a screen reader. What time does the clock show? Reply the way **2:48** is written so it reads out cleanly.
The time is **8:13**
